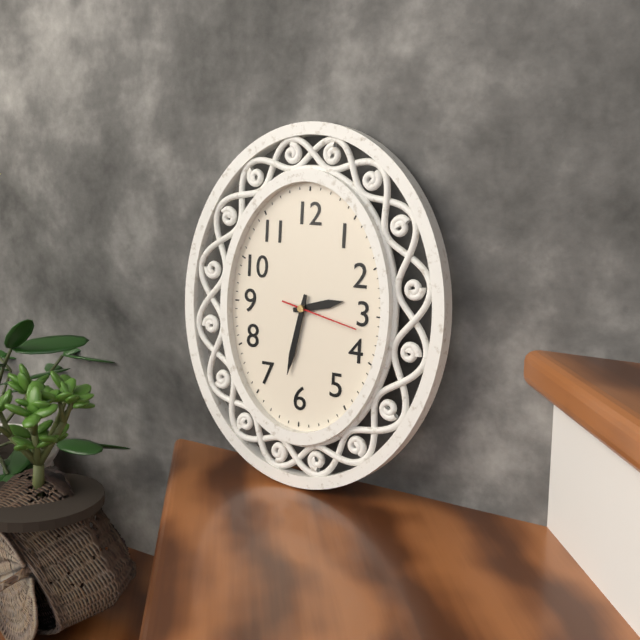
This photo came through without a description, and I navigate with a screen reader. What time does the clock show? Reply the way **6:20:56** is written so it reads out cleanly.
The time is **2:32:17**
